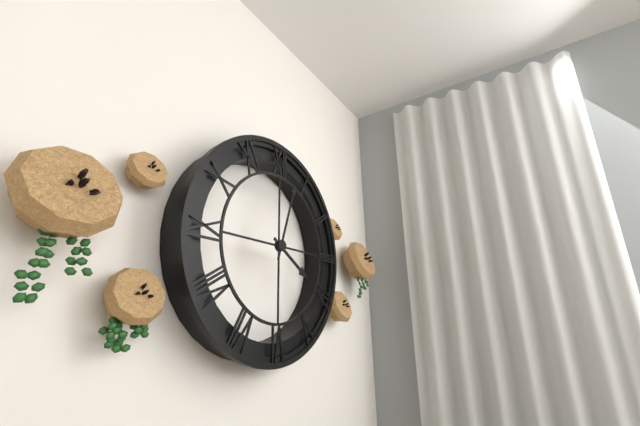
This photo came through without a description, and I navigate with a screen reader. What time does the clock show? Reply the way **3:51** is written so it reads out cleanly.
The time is **4:03**
